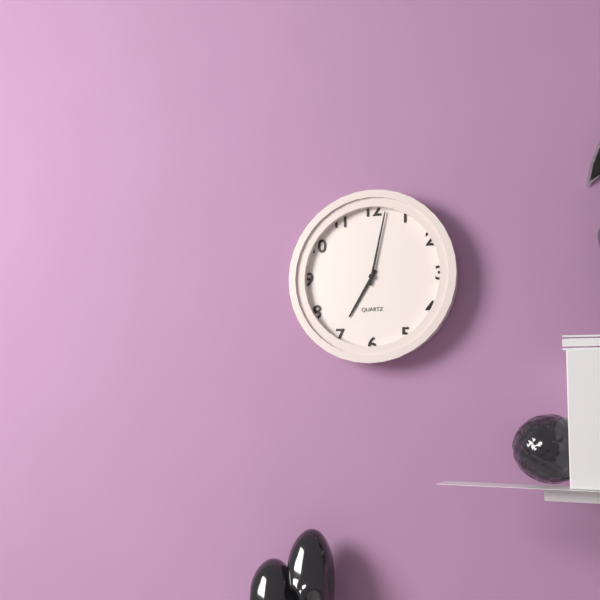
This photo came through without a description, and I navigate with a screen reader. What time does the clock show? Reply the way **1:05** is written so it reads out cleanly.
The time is **7:02**
